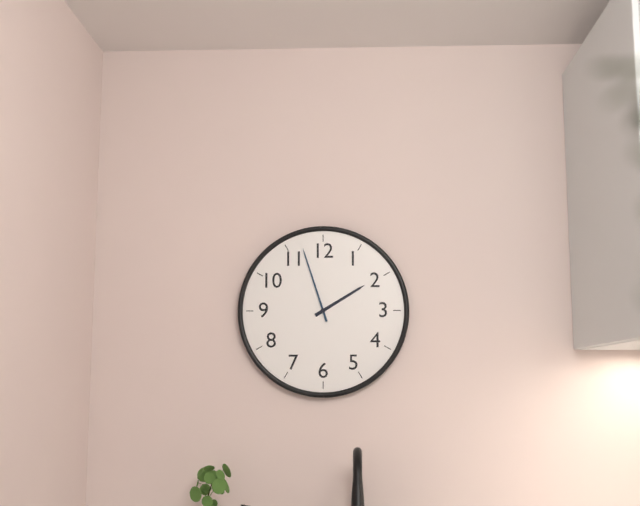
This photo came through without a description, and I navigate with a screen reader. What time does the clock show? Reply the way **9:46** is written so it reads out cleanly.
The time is **1:57**
